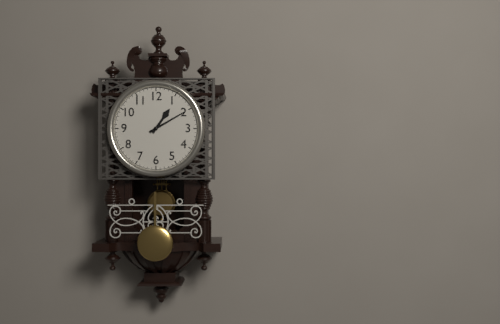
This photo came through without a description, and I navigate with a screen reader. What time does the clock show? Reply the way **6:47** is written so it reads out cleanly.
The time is **1:10**
